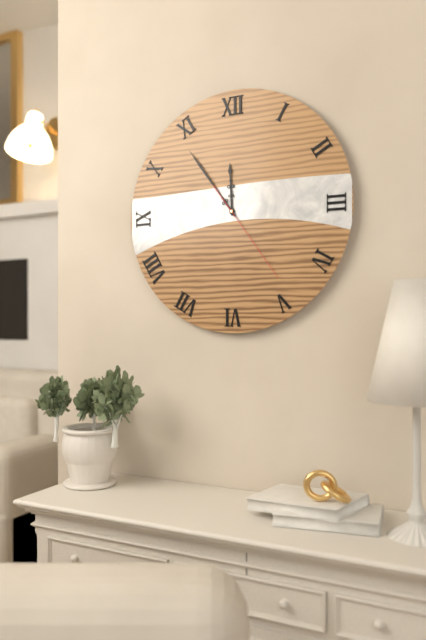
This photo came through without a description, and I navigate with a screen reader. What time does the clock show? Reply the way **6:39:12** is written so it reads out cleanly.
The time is **11:54:24**
